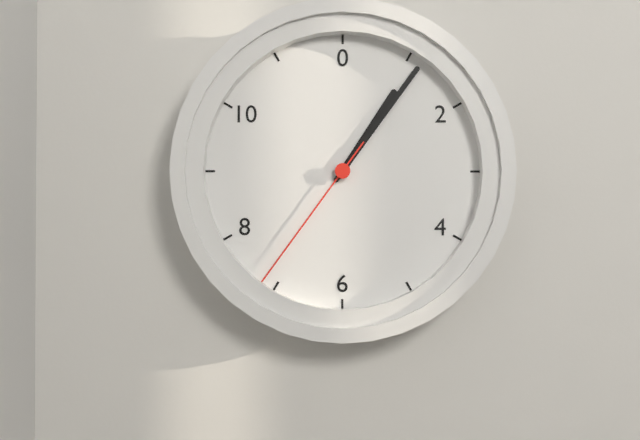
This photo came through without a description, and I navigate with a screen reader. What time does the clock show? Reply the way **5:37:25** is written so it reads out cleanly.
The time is **1:06:36**
